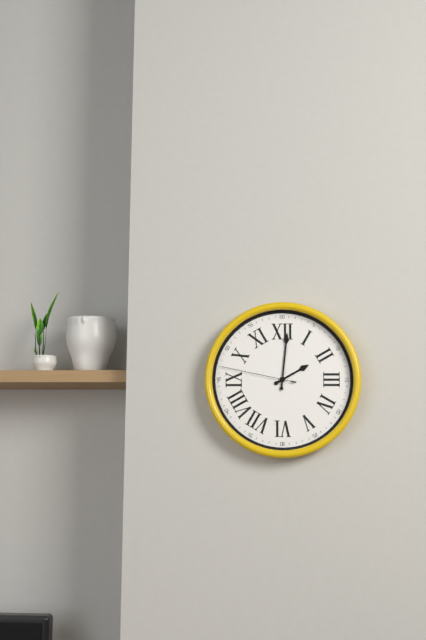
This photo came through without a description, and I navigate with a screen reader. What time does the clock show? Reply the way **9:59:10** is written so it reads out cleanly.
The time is **2:01:47**
